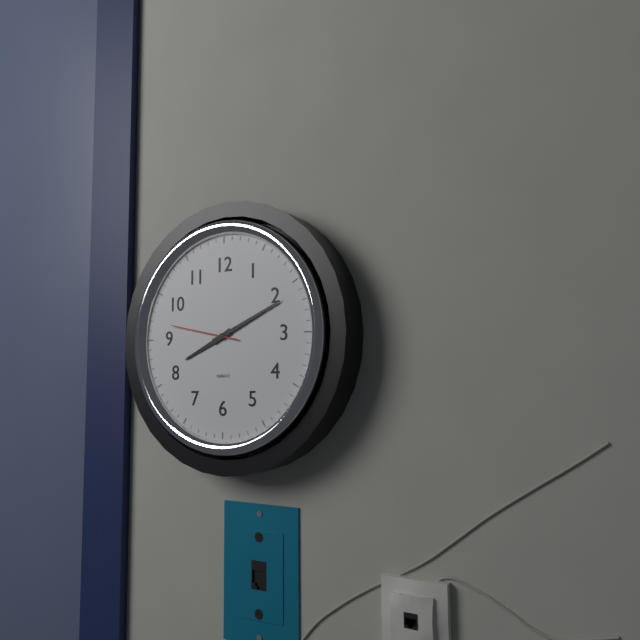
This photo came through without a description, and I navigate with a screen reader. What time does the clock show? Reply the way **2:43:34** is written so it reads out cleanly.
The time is **8:11:47**
